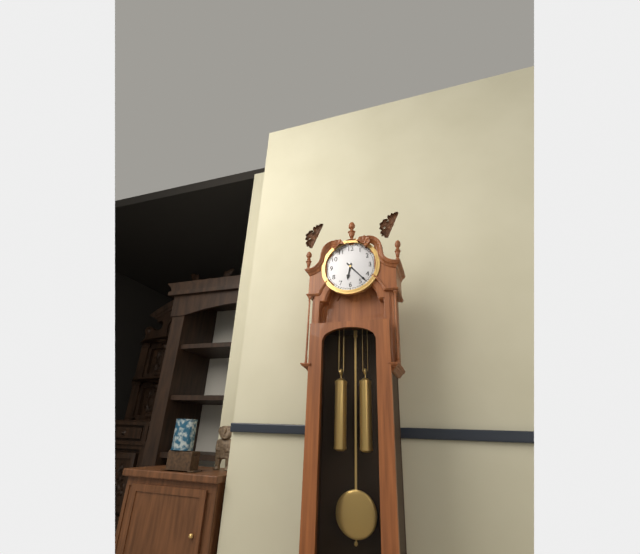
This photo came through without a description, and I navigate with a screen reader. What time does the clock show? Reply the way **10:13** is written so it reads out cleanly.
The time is **6:23**
